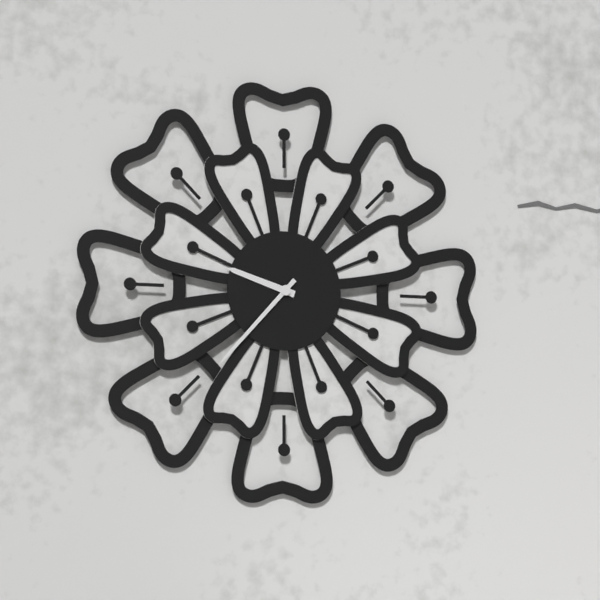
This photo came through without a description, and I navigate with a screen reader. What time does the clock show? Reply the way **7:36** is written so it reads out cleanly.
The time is **9:37**
